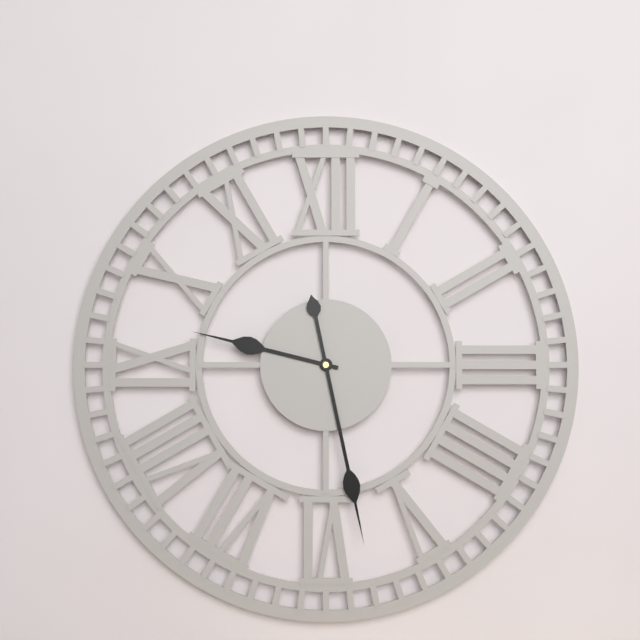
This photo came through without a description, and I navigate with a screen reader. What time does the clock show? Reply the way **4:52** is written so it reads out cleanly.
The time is **9:28**
